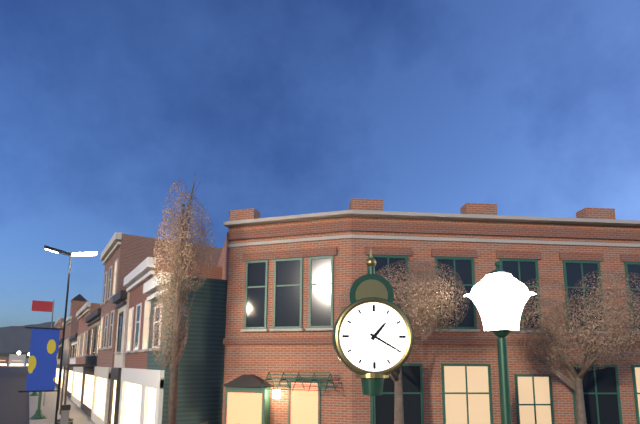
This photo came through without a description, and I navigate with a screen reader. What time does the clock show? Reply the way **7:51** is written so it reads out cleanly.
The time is **1:20**
